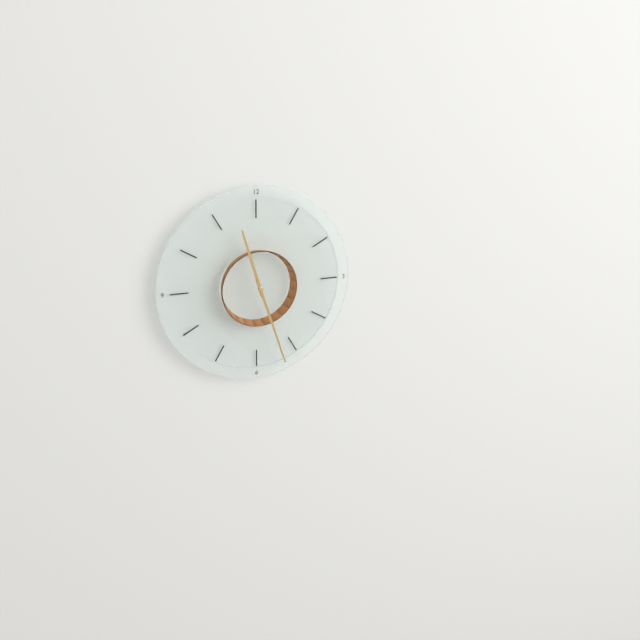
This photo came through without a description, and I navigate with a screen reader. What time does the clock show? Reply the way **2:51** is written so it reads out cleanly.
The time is **11:27**
